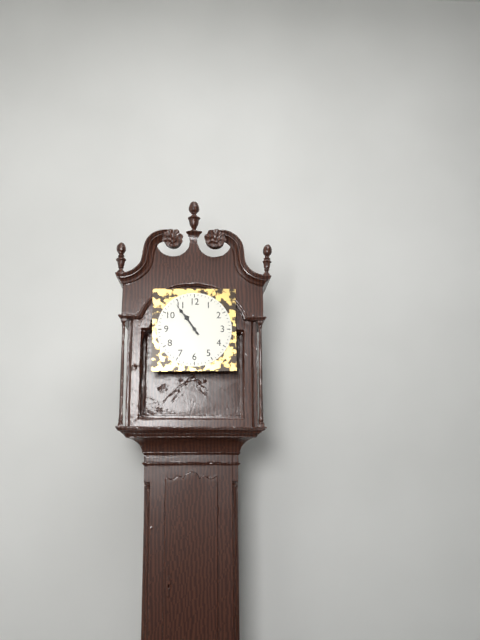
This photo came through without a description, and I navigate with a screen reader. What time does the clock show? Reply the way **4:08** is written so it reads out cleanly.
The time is **10:54**
